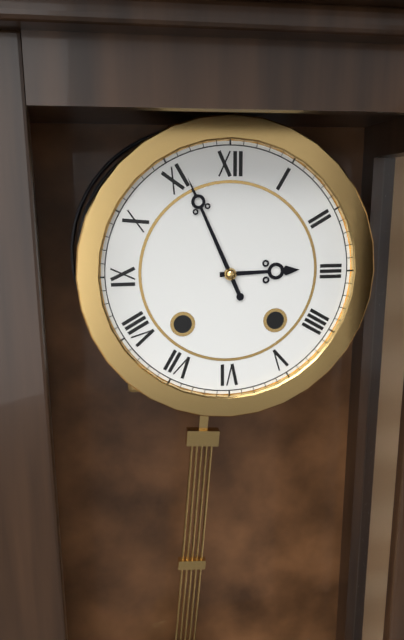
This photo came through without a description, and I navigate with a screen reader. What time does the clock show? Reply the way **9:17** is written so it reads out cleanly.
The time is **2:56**
